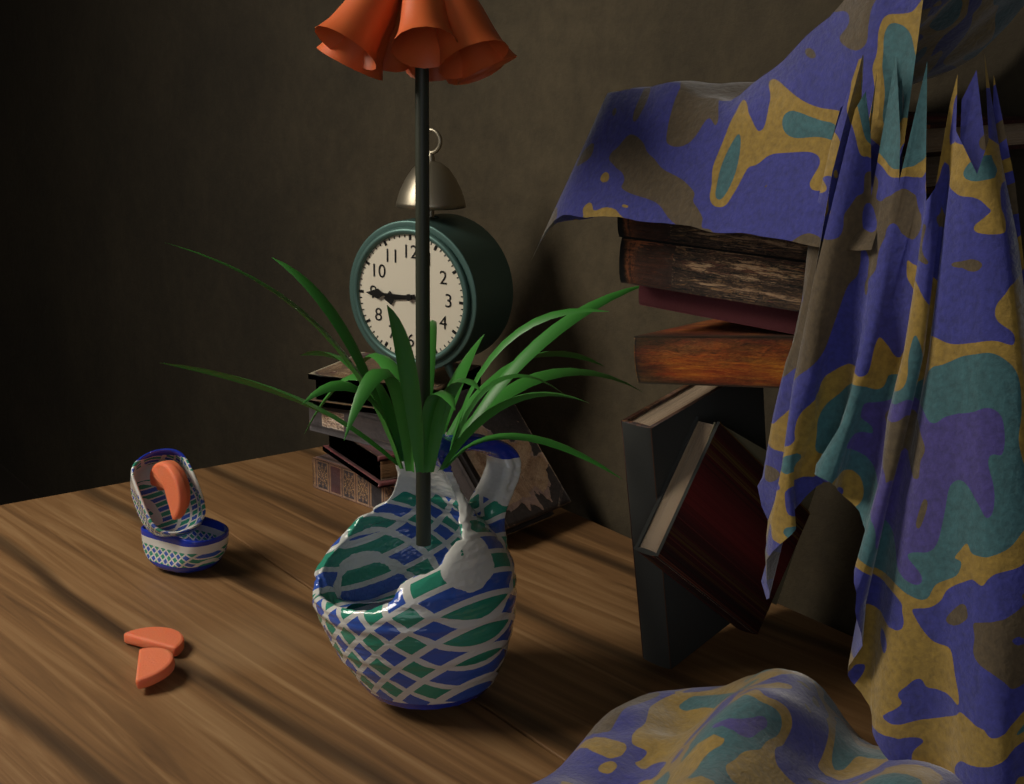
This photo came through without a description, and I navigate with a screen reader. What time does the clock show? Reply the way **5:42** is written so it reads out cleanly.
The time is **8:45**
